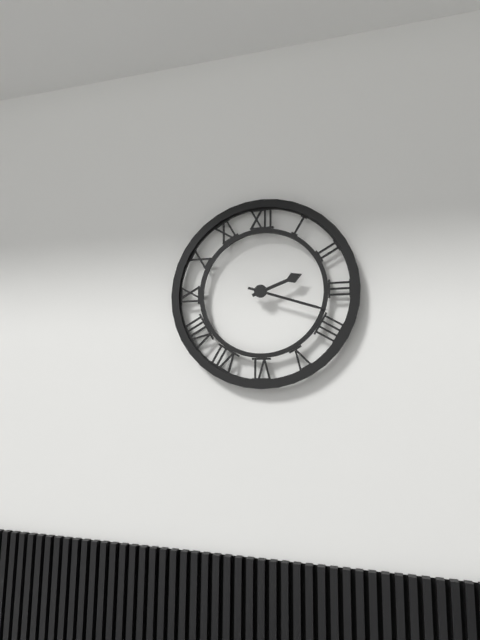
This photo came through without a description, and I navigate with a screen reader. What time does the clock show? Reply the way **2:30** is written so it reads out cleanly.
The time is **2:18**
